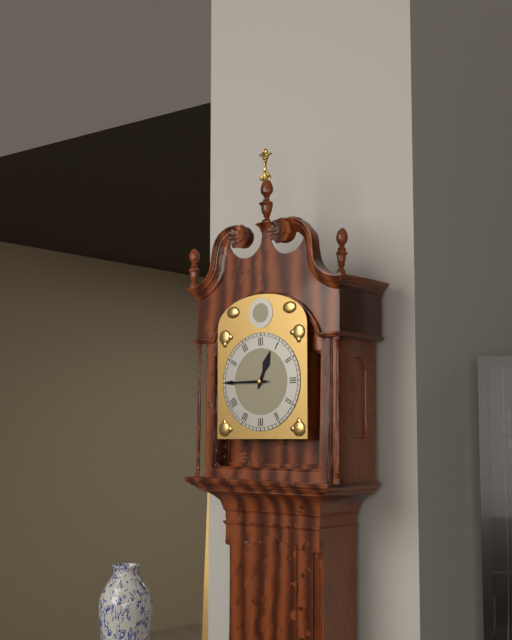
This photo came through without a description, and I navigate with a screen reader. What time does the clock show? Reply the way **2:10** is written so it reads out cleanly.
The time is **12:45**
